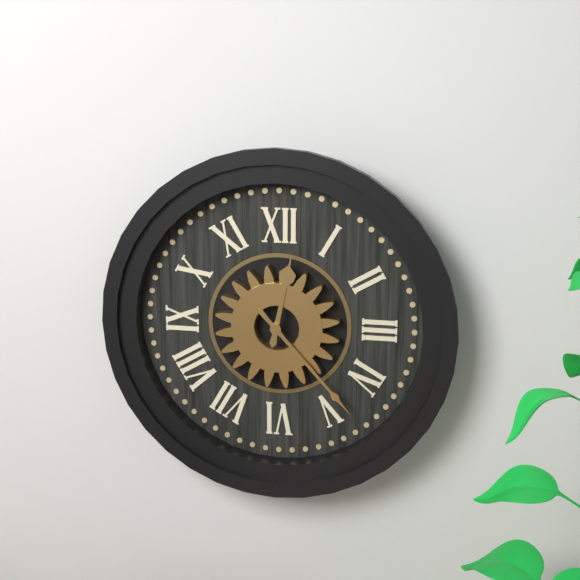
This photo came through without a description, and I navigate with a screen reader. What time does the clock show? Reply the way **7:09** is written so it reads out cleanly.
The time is **12:23**
